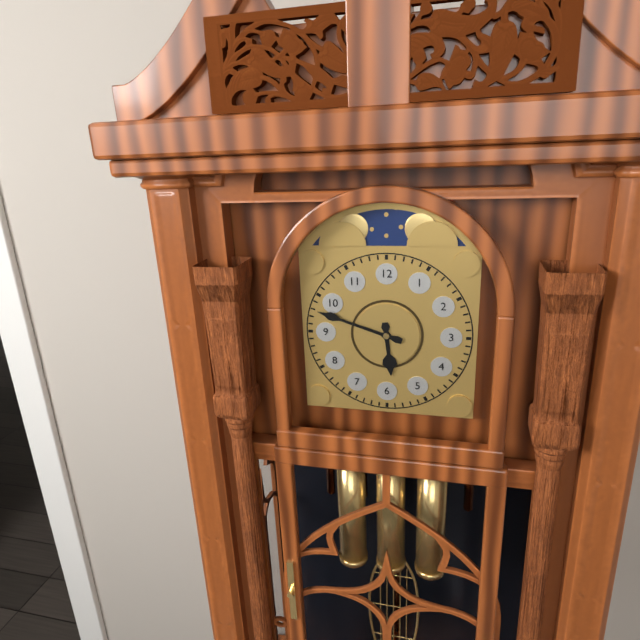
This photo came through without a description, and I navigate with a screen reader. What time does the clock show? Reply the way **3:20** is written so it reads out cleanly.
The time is **5:48**
